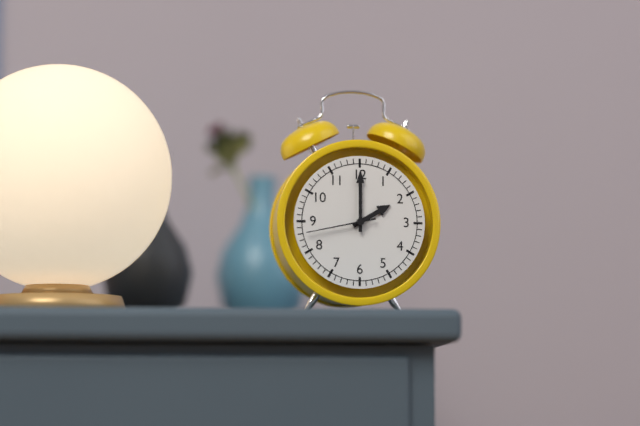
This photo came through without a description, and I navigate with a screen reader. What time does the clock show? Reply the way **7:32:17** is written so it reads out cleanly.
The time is **2:00:43**
